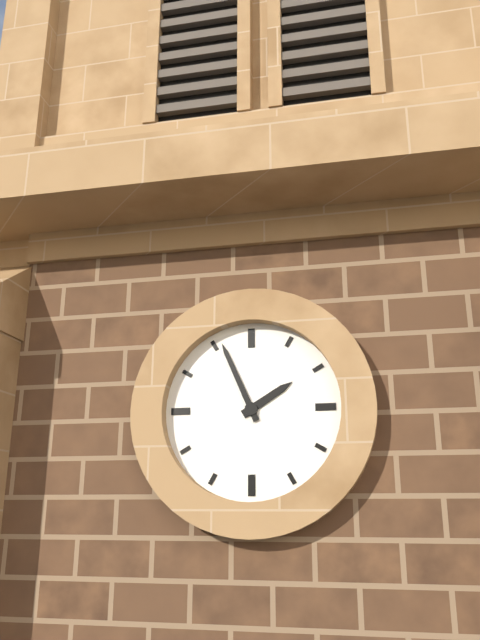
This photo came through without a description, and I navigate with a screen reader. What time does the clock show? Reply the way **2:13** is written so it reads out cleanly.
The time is **1:56**
